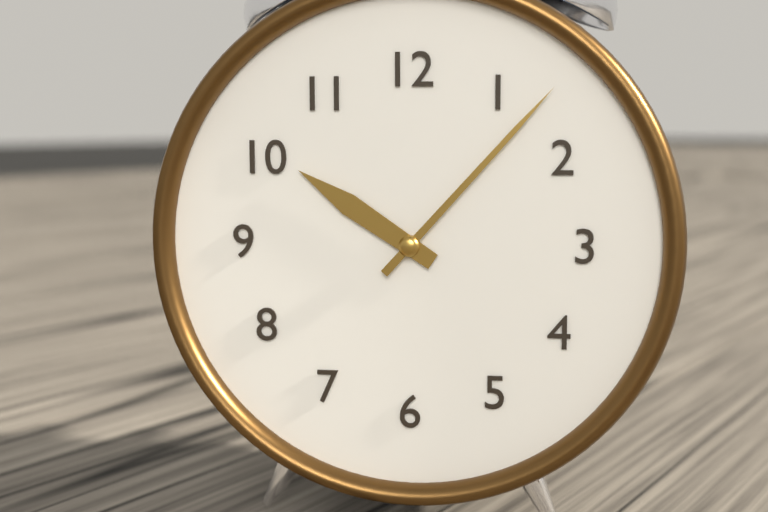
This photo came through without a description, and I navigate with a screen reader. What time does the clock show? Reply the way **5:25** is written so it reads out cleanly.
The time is **10:07**
